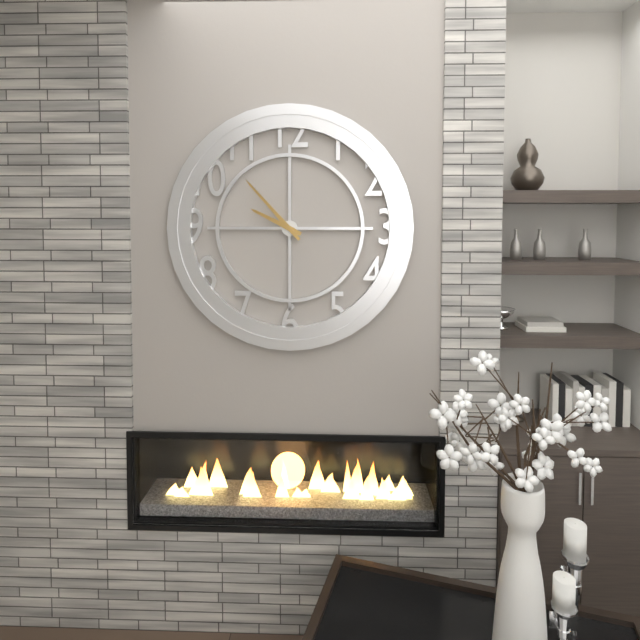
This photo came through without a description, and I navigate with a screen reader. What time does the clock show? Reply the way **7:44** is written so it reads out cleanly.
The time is **9:53**
